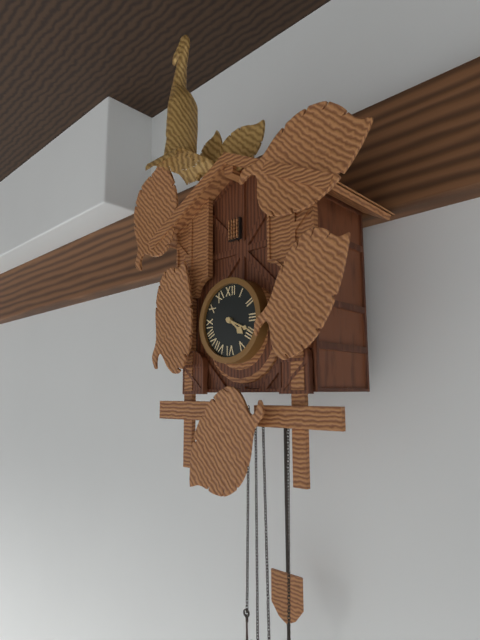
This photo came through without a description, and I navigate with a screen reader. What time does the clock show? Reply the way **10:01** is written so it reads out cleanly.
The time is **4:19**
